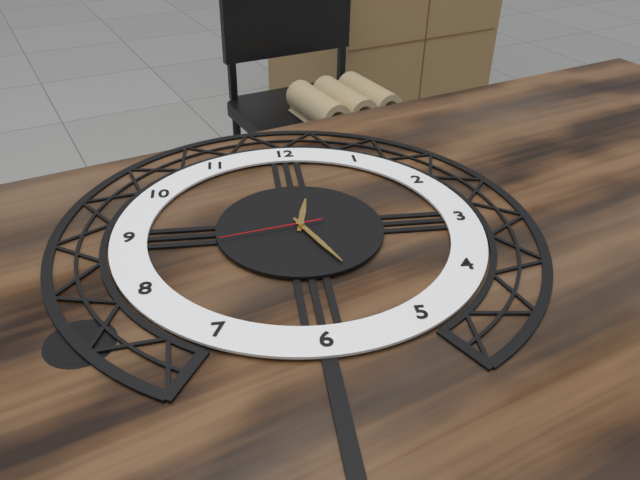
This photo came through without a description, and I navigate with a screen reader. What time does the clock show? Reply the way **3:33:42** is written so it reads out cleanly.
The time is **12:26:43**
